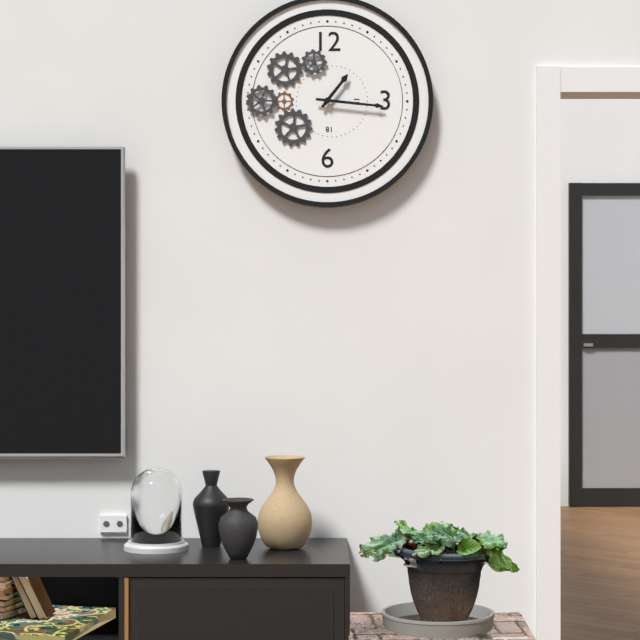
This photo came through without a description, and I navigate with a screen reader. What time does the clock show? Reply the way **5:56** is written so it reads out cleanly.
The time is **1:16**
